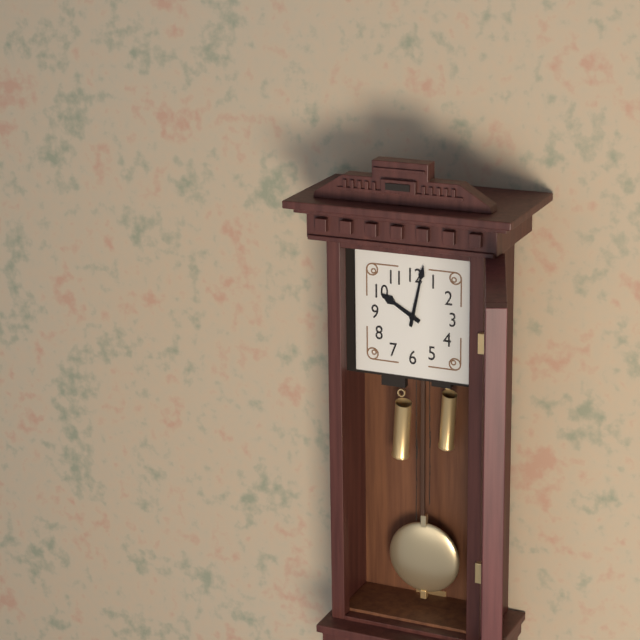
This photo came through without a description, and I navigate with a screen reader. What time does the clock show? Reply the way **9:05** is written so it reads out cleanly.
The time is **10:02**
